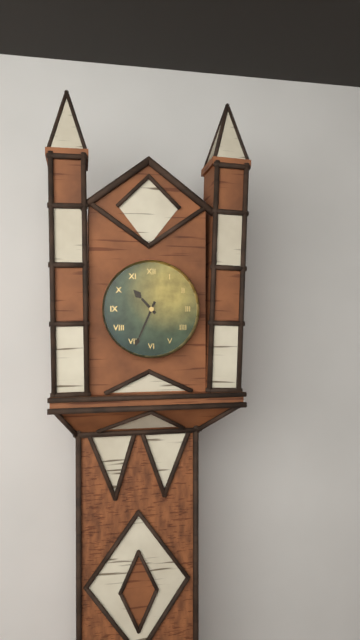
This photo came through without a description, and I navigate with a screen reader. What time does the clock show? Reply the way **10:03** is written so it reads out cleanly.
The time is **10:34**
